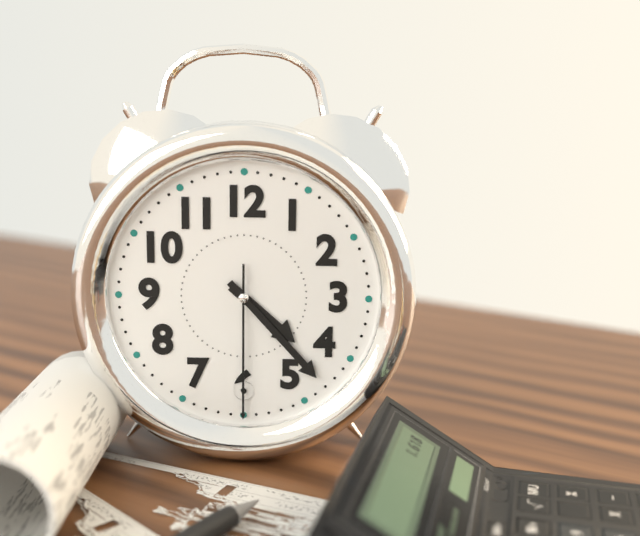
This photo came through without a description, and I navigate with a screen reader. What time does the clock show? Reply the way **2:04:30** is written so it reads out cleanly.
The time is **4:23:30**
